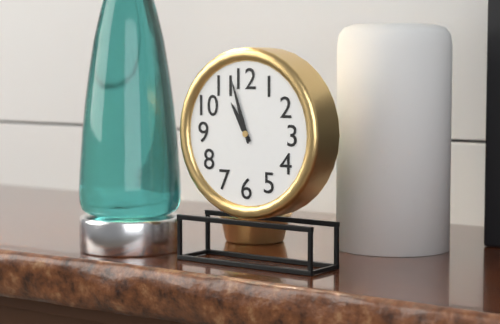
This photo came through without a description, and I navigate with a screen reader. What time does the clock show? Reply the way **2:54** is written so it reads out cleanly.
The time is **10:57**
